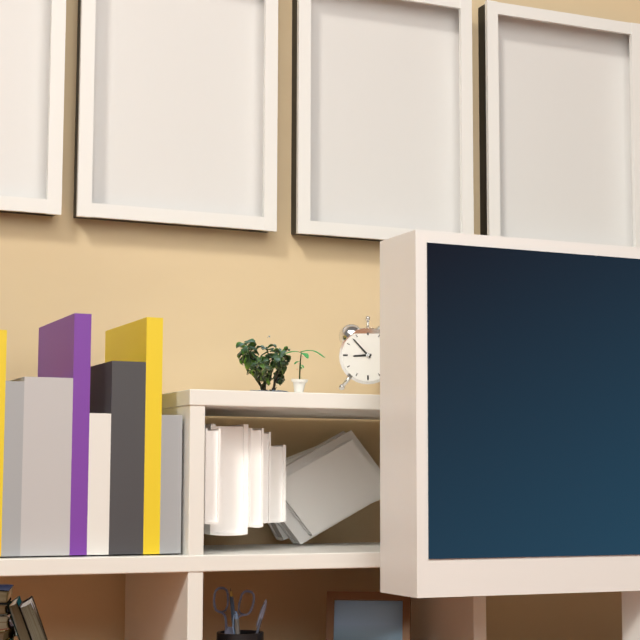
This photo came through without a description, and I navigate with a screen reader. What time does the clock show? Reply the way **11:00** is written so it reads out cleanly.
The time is **8:53**
